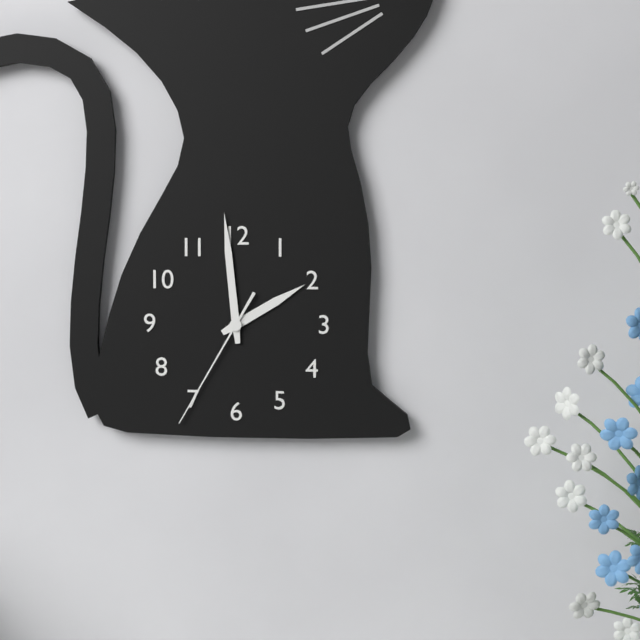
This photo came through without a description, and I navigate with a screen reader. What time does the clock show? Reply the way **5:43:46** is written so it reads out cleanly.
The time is **1:59:35**
